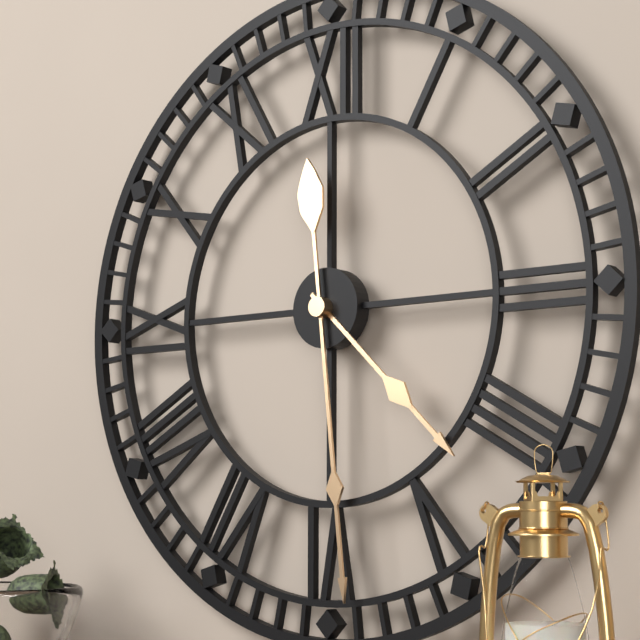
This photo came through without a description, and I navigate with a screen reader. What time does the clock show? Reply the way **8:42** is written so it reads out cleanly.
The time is **4:29**
